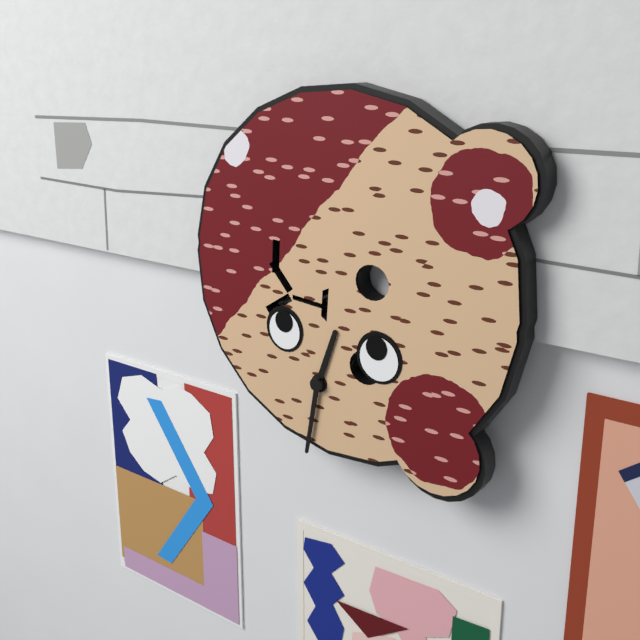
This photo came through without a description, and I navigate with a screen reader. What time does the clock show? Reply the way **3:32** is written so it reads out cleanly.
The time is **12:31**
